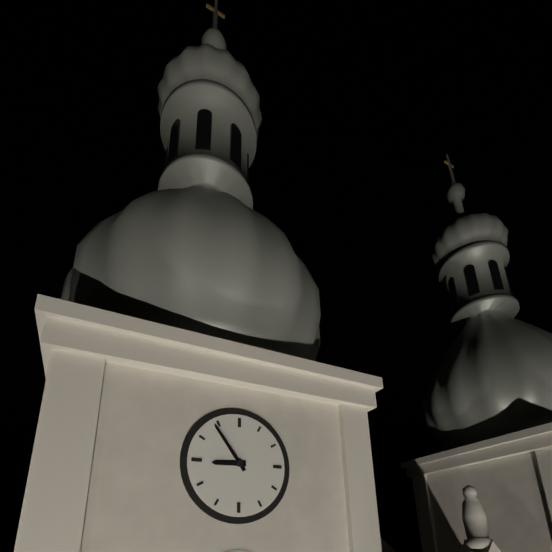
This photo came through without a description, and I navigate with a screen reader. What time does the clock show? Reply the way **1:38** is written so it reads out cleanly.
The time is **8:54**
